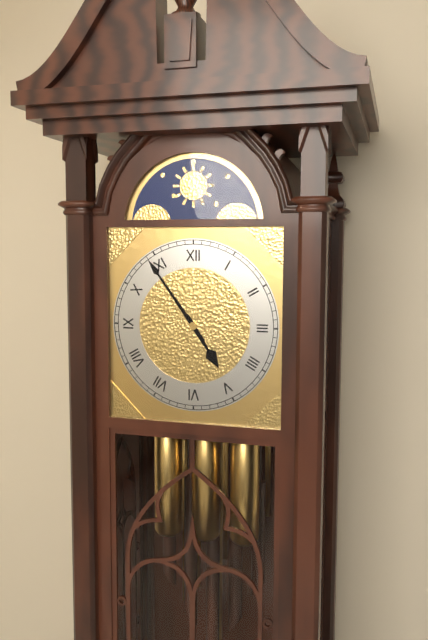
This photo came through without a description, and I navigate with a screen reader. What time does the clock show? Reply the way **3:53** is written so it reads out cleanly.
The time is **4:54**
